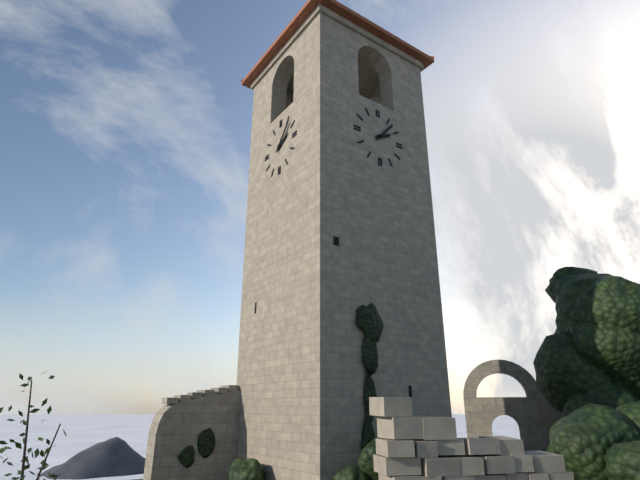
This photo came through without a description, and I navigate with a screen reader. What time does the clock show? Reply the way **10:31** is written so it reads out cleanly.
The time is **2:07**
